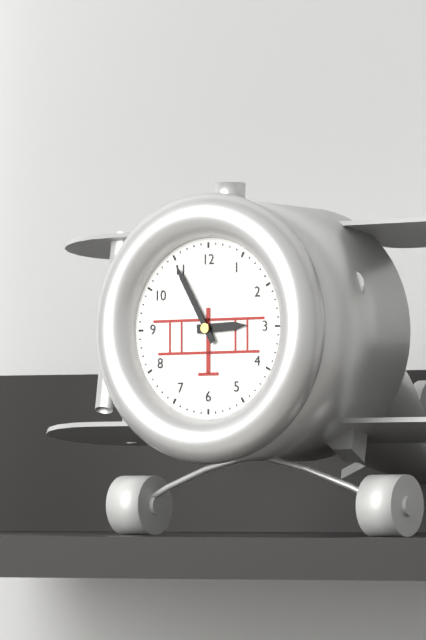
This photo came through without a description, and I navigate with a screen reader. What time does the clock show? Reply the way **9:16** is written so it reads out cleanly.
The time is **2:55**
